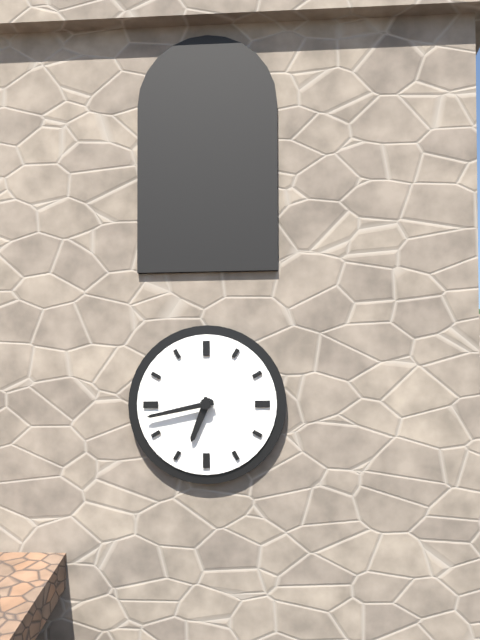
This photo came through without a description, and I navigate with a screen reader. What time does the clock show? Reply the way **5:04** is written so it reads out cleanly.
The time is **6:43**
